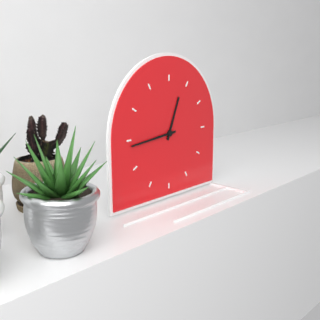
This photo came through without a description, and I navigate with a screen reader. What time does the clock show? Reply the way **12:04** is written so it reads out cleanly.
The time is **12:44**
